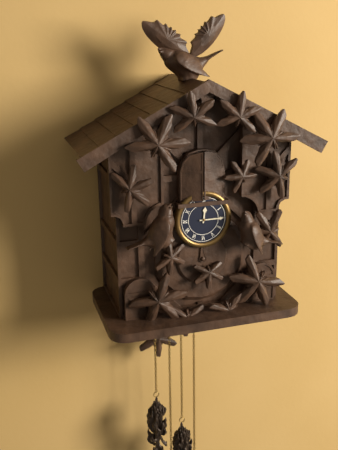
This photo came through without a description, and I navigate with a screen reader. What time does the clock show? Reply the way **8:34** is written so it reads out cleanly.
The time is **12:15**
